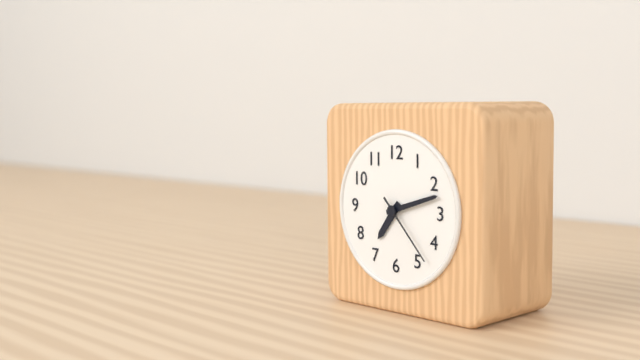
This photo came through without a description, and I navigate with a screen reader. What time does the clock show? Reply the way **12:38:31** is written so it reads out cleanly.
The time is **7:12:23**
